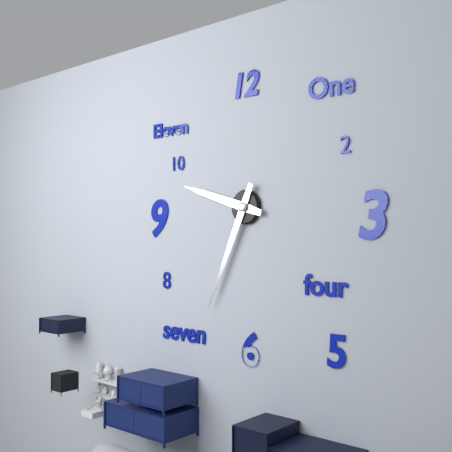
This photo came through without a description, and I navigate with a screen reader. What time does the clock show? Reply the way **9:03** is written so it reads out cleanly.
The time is **9:34**
